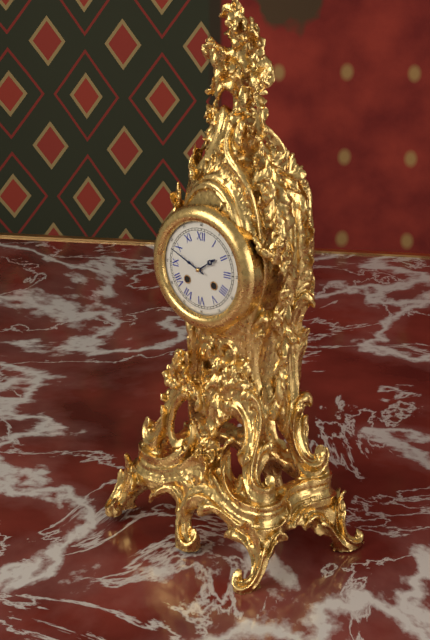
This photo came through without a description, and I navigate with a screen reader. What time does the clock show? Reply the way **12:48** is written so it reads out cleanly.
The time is **1:49**
